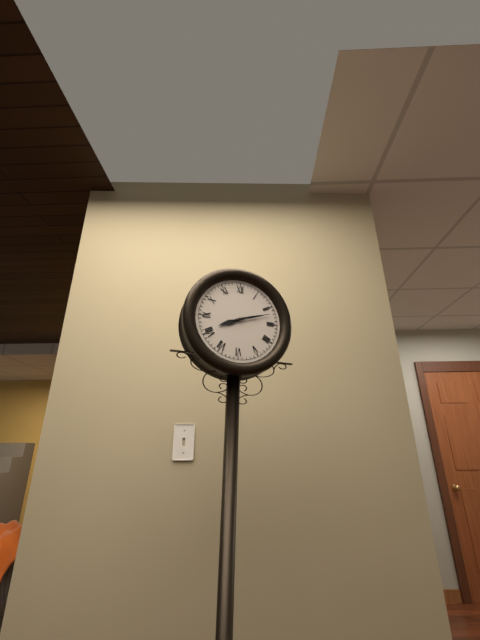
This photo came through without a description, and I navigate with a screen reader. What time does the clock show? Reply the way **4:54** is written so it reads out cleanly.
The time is **8:12**
